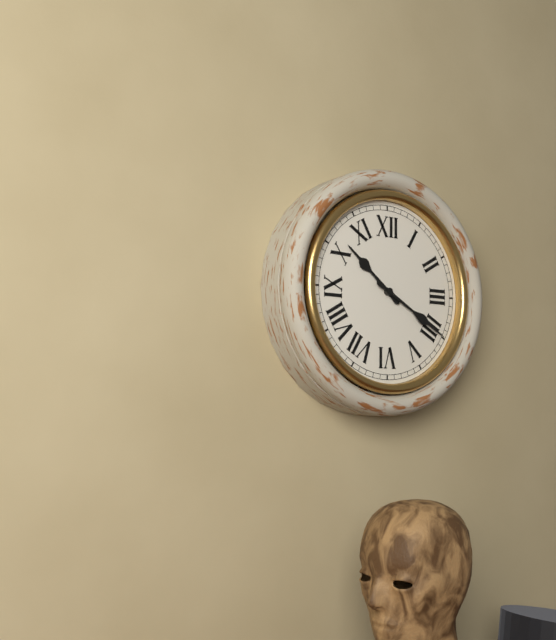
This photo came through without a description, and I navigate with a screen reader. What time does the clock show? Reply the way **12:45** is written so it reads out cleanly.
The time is **10:20**
